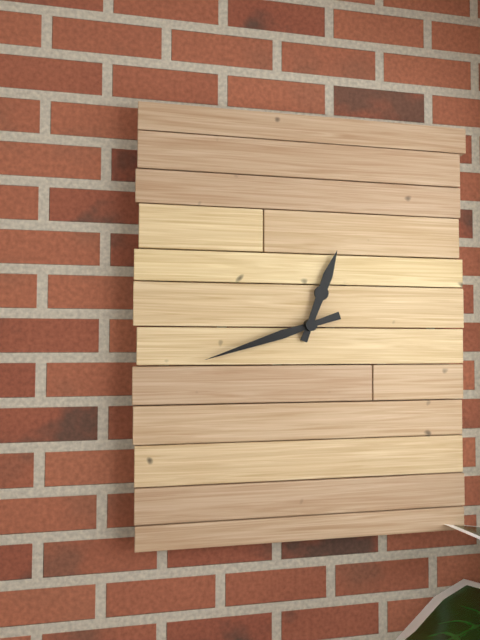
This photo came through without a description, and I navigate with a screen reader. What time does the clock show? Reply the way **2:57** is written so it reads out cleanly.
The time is **12:42**
